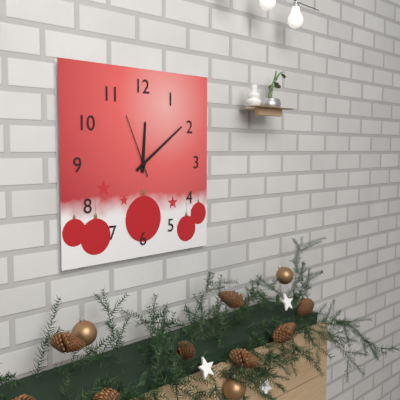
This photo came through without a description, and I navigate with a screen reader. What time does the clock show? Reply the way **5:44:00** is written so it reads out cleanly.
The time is **12:09:56**
